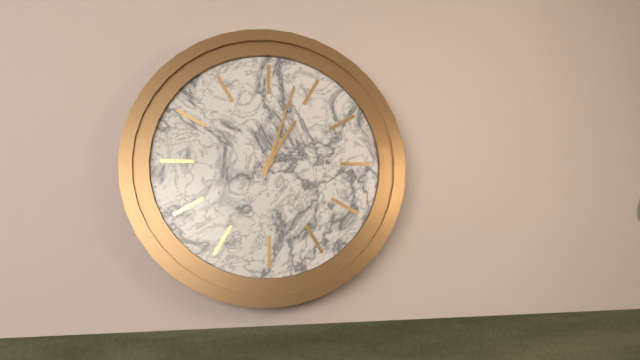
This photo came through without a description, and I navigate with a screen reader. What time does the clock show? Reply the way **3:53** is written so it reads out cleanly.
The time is **1:03**
